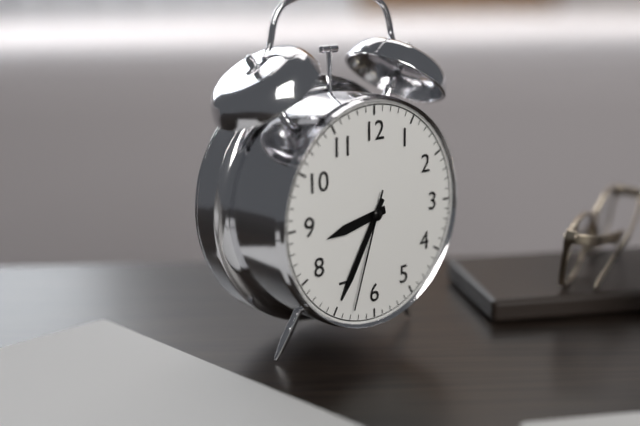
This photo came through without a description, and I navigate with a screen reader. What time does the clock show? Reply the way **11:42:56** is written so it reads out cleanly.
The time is **8:35:33**
